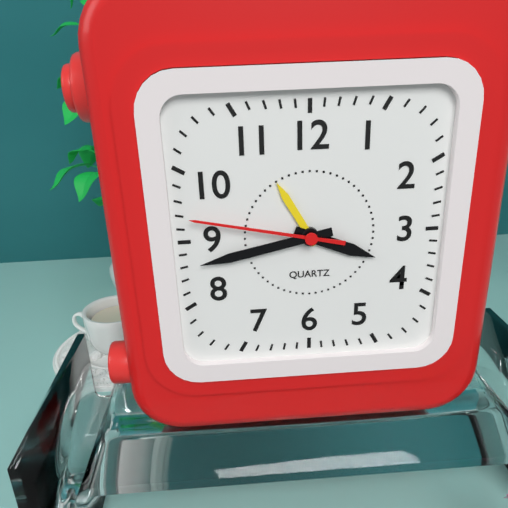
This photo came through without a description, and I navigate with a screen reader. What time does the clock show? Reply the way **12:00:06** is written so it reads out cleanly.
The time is **3:43:47**
